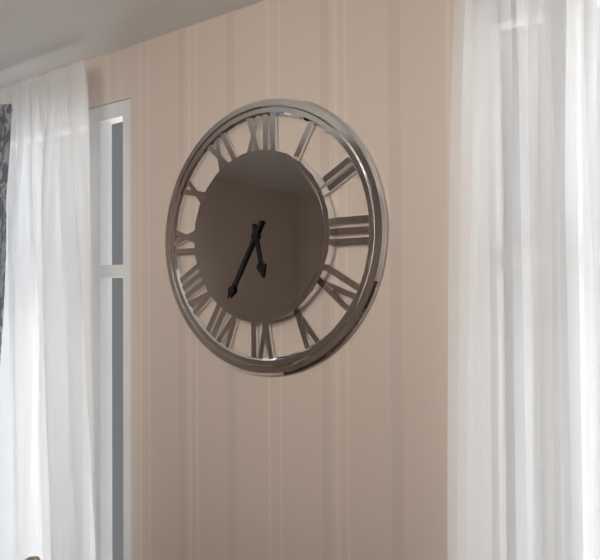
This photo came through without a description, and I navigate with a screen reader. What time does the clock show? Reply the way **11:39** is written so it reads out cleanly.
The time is **5:35**
